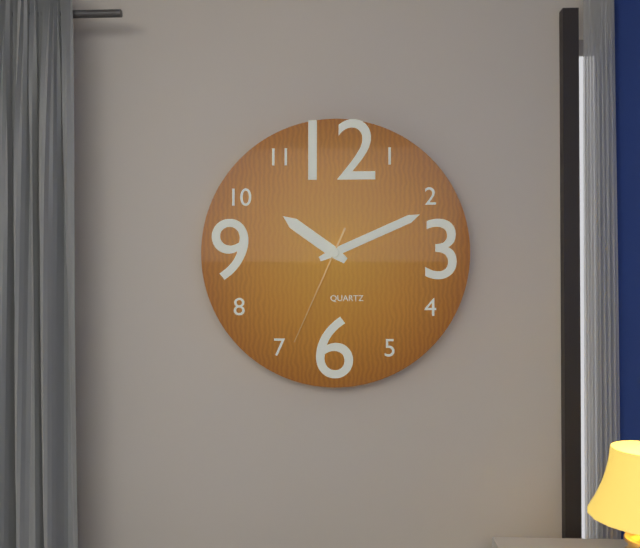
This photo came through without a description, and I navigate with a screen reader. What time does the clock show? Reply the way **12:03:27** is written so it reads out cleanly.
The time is **10:11:34**
